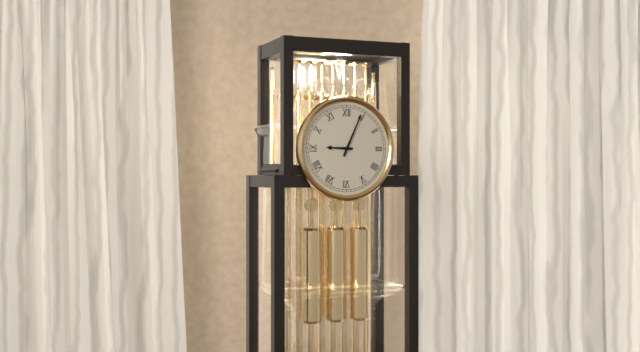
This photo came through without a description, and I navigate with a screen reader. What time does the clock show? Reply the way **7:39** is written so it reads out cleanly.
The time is **9:04**
